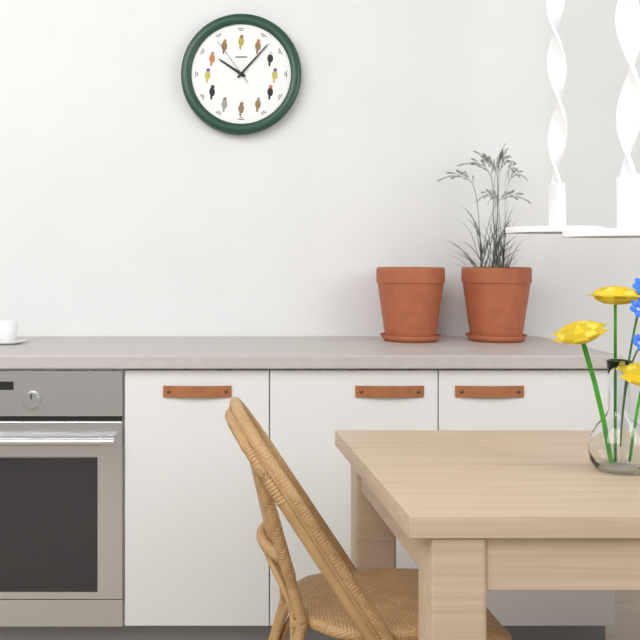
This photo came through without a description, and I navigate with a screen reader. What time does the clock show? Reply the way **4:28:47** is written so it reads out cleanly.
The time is **10:07:54**
